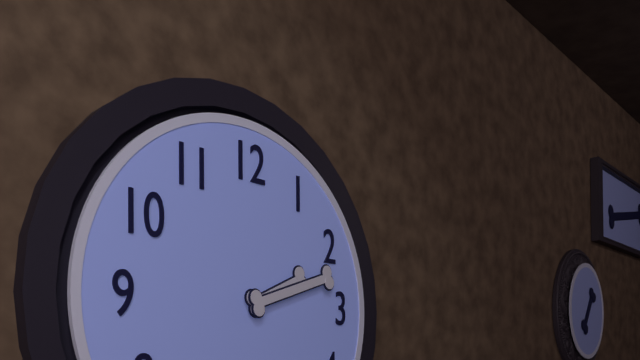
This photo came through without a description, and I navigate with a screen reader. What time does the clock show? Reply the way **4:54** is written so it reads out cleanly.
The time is **2:12**
